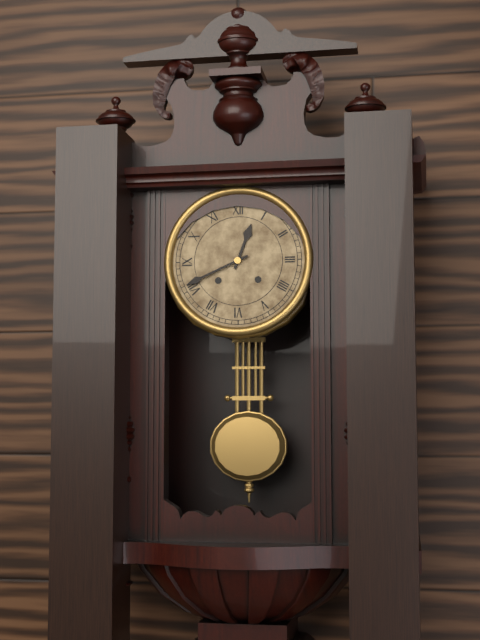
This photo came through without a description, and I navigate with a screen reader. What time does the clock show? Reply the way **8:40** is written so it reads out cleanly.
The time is **12:41**
